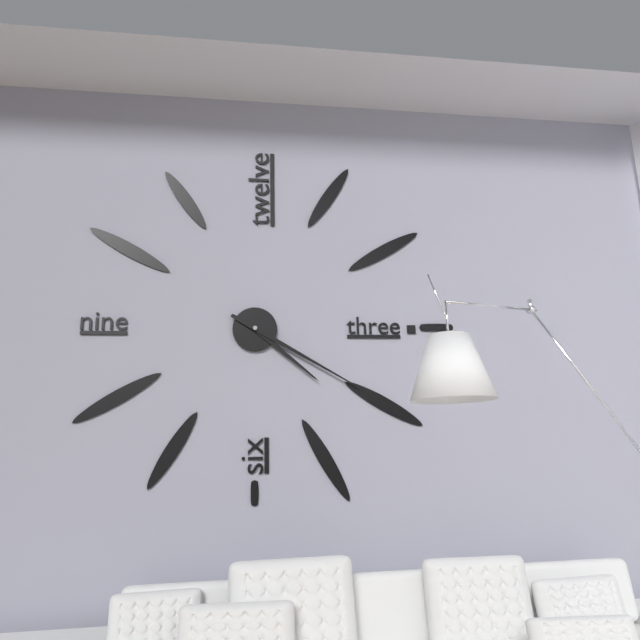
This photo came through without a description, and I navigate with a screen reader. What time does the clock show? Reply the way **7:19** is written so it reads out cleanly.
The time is **4:20**
